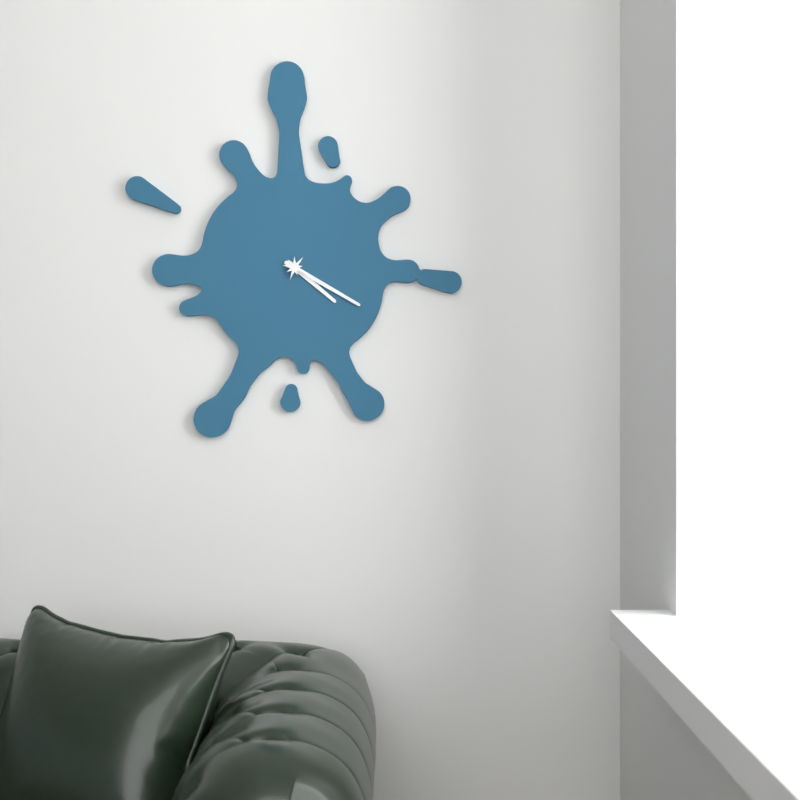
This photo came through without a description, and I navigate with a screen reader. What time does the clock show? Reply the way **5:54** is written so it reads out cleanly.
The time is **4:20**
